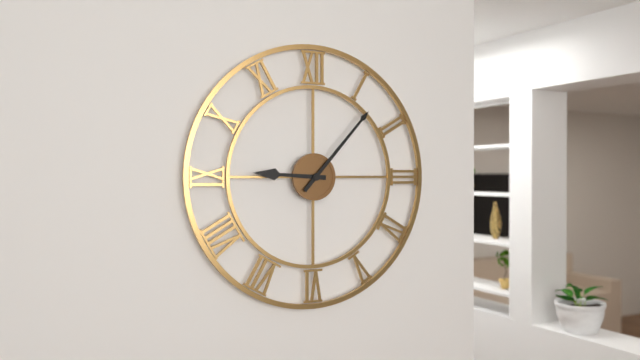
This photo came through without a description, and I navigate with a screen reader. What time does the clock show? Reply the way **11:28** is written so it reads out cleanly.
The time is **9:07**
